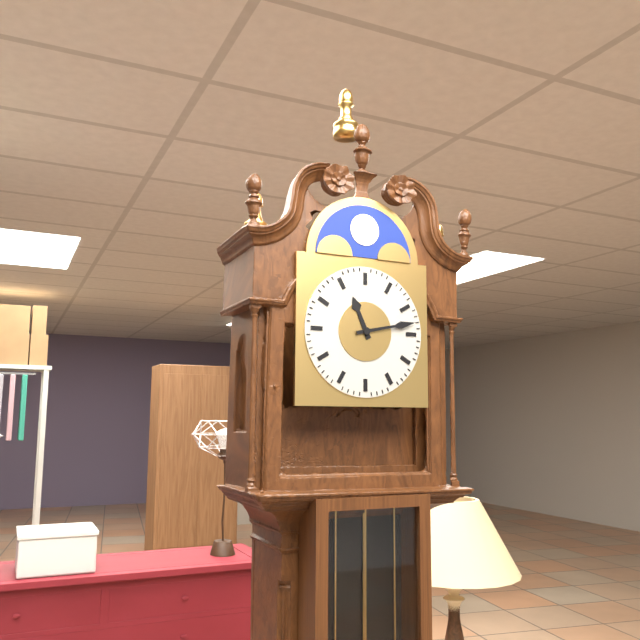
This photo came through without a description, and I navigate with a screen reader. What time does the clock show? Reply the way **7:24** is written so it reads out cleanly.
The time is **11:13**
